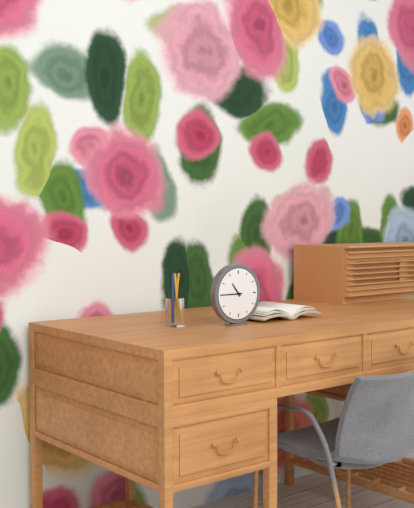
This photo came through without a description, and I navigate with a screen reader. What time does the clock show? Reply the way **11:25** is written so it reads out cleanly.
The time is **10:45**
